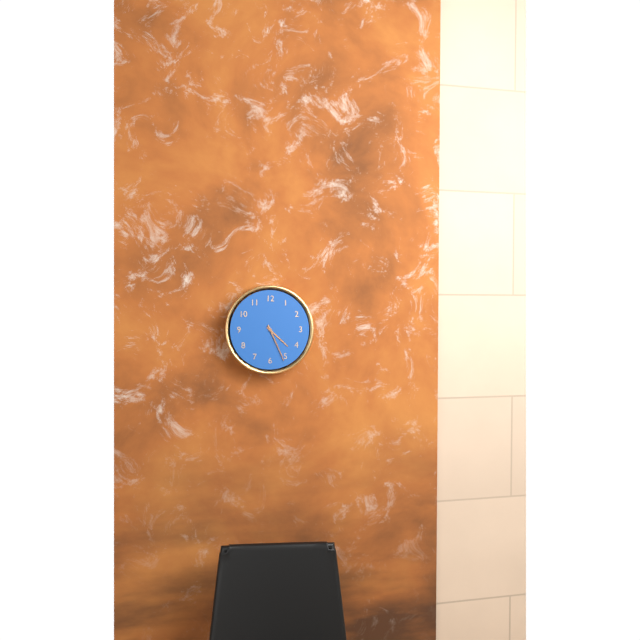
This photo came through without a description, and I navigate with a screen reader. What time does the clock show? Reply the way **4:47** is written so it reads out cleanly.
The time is **4:26**
